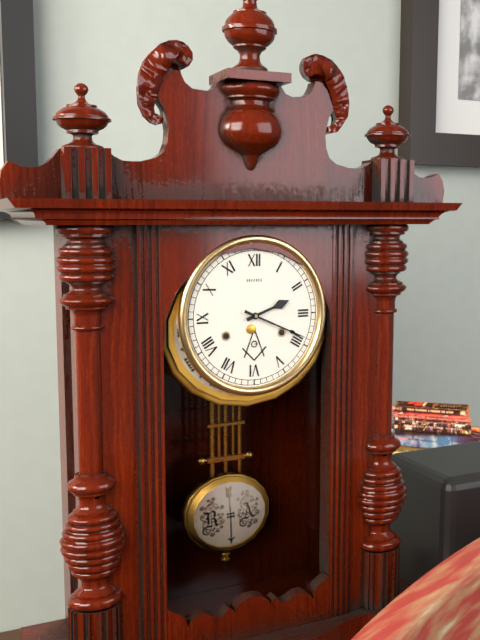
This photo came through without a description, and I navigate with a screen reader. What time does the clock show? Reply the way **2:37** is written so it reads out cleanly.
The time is **2:19**
